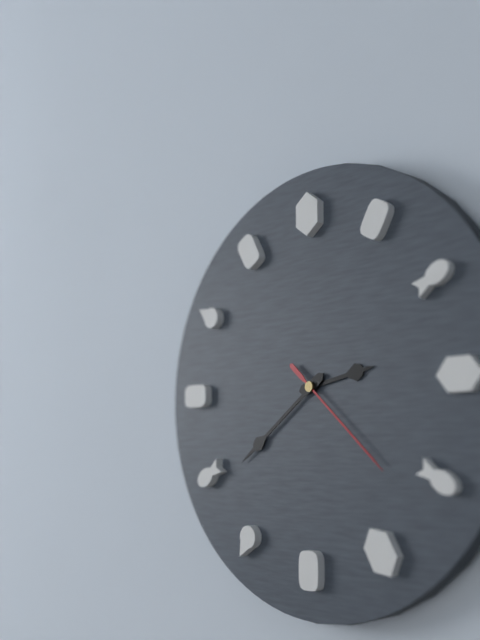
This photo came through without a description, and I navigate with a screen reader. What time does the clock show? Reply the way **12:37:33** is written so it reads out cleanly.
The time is **2:39:22**
